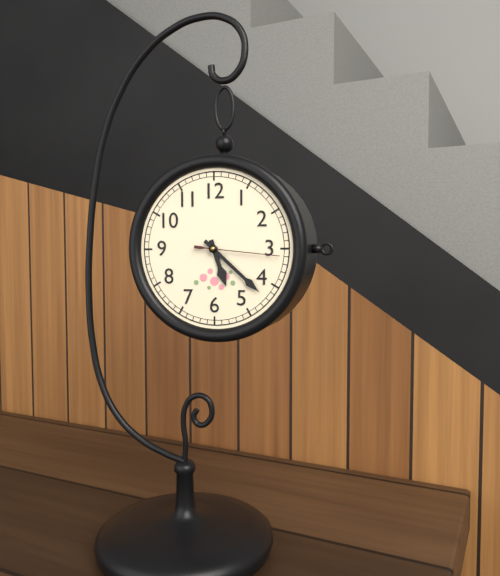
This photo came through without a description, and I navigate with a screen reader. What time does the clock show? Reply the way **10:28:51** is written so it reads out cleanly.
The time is **5:22:16**
